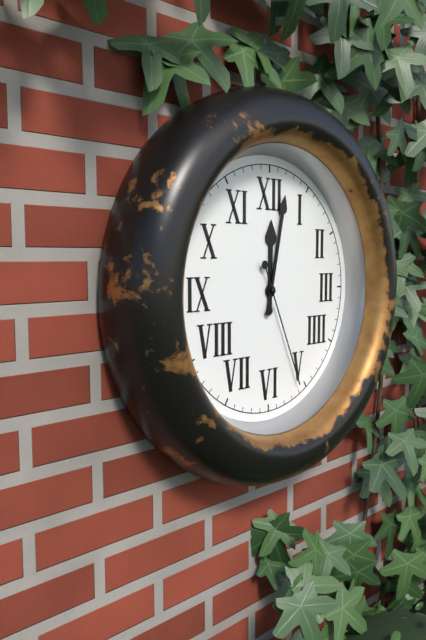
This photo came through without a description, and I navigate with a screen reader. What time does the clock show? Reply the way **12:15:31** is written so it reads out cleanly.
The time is **12:02:26**
